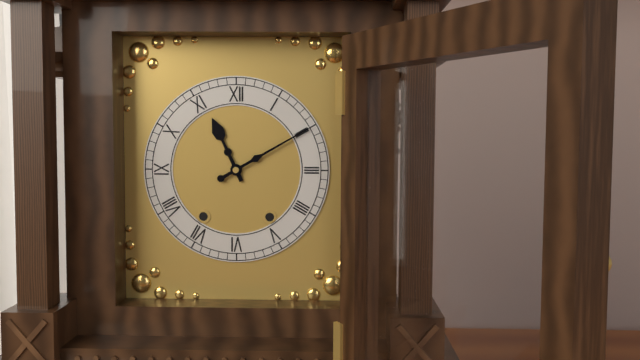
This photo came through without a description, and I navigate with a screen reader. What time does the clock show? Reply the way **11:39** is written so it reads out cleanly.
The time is **11:10**
